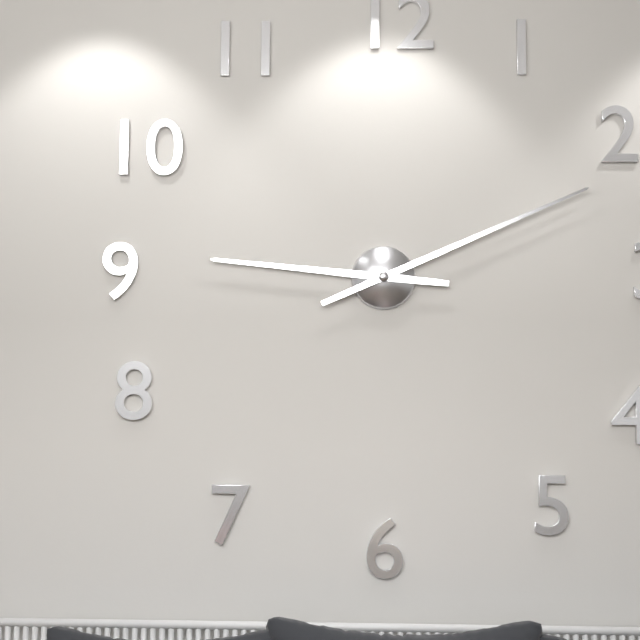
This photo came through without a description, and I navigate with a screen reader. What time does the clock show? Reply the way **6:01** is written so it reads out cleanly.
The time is **9:11**
